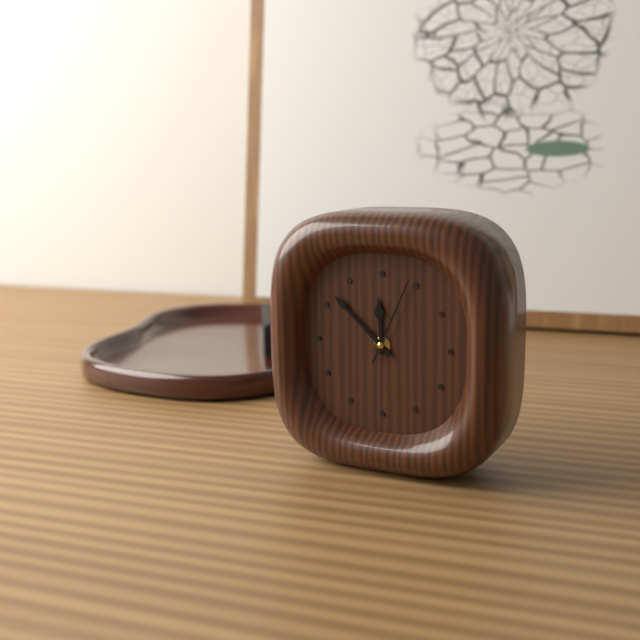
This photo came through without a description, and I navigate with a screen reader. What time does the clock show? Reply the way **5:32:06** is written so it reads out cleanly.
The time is **11:52:04**
